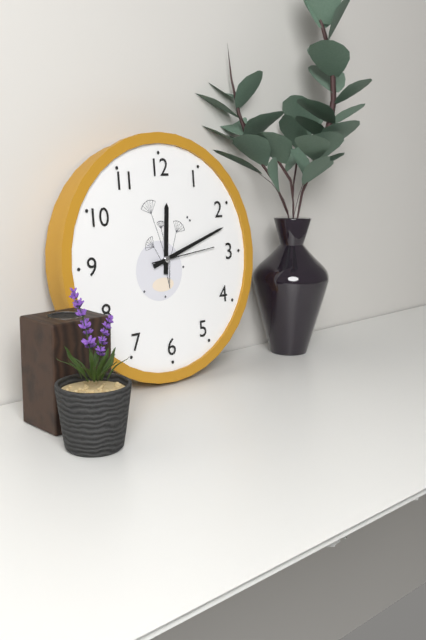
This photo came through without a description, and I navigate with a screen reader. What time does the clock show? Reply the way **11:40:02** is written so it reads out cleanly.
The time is **12:12:14**
